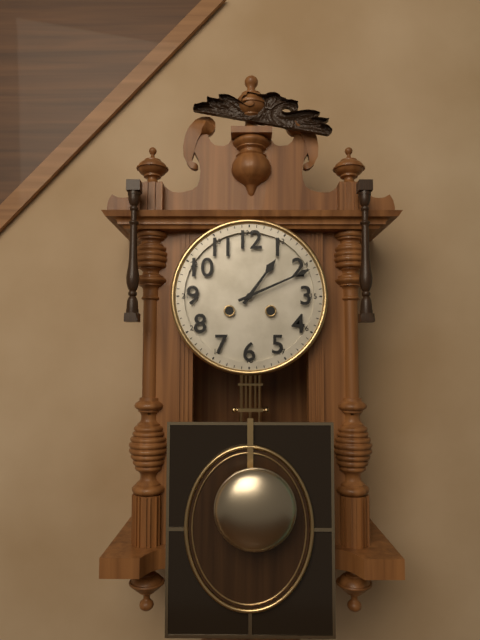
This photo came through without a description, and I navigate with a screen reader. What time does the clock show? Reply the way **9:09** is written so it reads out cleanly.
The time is **1:11**
